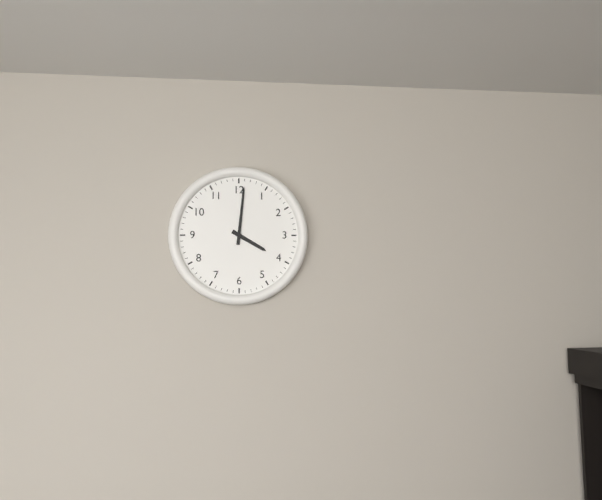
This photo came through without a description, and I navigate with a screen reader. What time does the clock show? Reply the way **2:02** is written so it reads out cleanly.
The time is **4:01**
